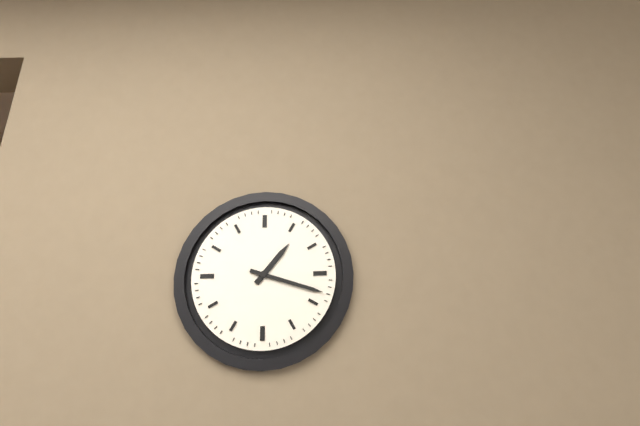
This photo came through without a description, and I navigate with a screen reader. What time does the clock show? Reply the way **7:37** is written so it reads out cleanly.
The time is **1:18**
